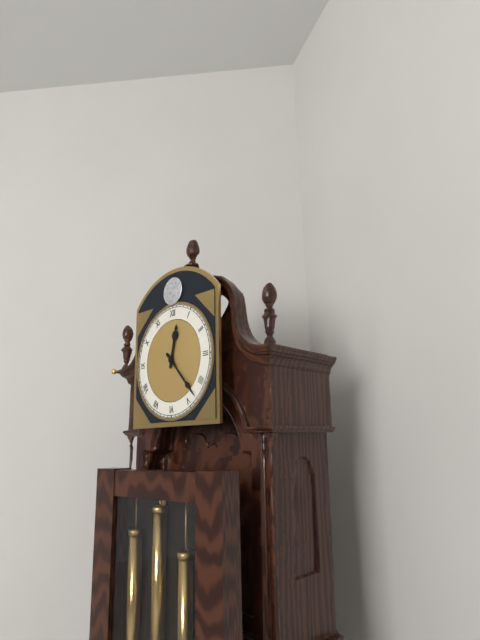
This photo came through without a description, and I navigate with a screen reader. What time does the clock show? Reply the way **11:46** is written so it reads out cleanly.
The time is **12:23**
